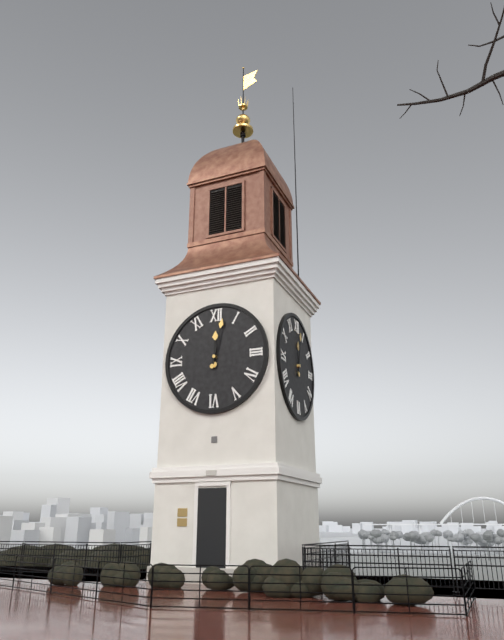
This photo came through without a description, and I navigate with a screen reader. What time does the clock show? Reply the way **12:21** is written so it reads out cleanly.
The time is **12:02**
